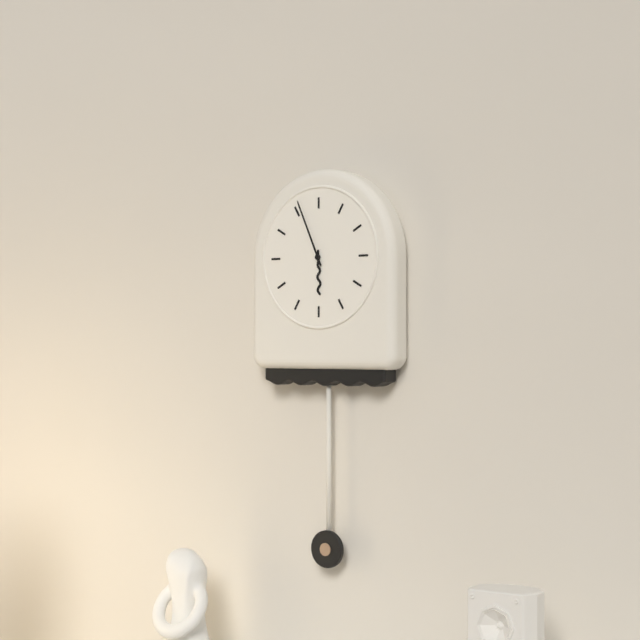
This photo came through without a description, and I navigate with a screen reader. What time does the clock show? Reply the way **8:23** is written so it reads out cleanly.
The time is **5:56**
